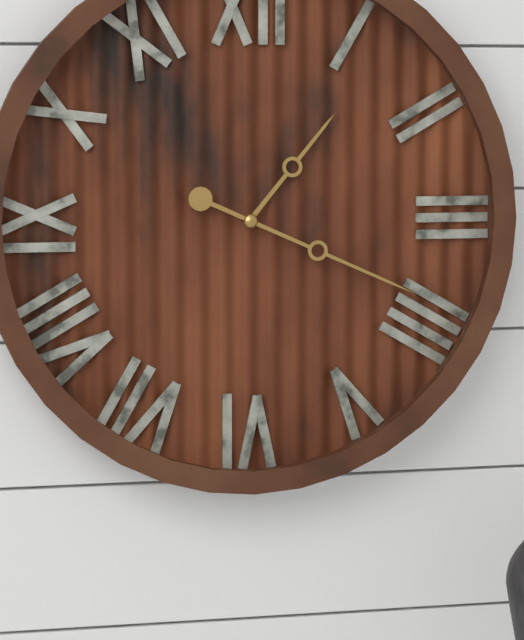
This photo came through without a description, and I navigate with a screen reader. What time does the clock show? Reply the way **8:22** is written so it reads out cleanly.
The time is **1:19**
